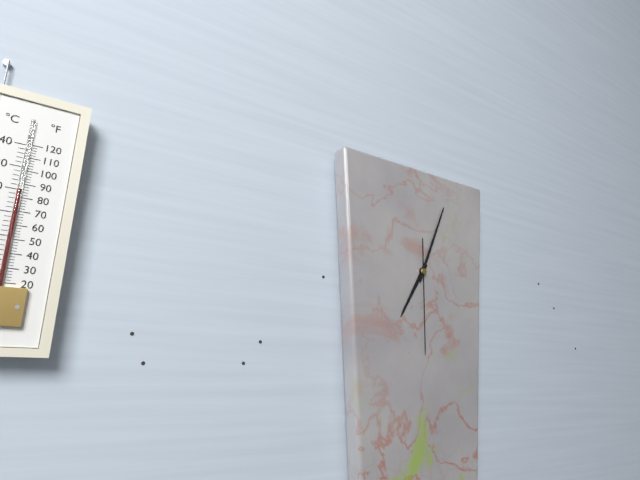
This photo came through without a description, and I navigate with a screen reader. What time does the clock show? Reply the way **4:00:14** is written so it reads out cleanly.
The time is **7:04:30**
